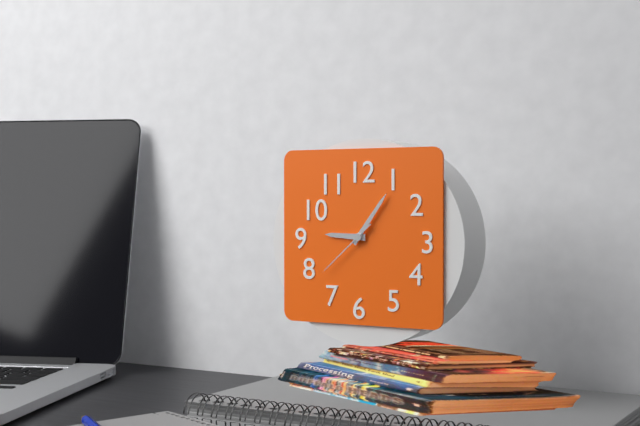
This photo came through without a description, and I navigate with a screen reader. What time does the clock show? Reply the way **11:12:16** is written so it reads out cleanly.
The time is **9:06:38**
